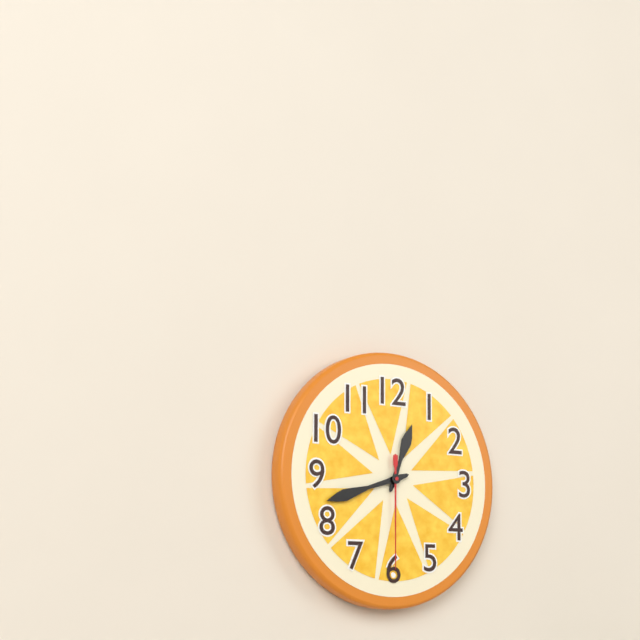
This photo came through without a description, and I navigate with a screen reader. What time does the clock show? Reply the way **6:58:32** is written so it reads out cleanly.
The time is **12:42:30**
